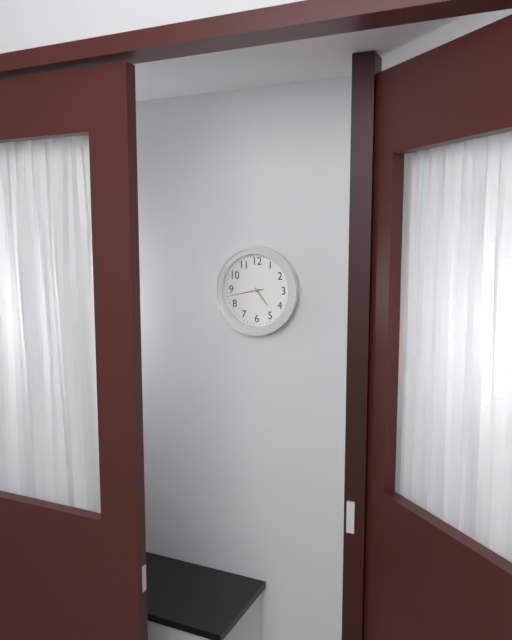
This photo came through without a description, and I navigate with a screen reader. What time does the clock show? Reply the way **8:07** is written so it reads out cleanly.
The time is **4:43**
